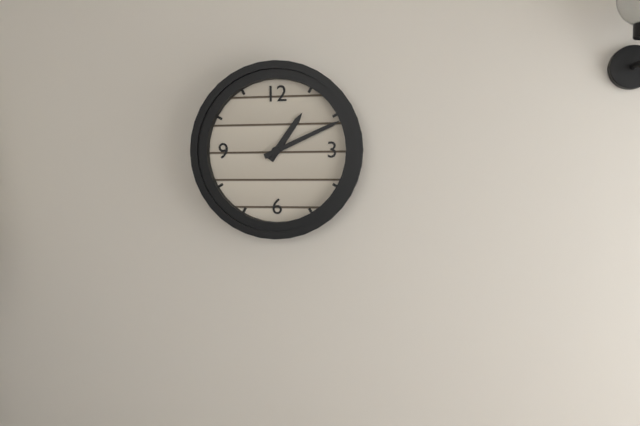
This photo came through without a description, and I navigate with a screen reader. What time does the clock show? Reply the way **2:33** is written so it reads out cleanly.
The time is **1:11**
